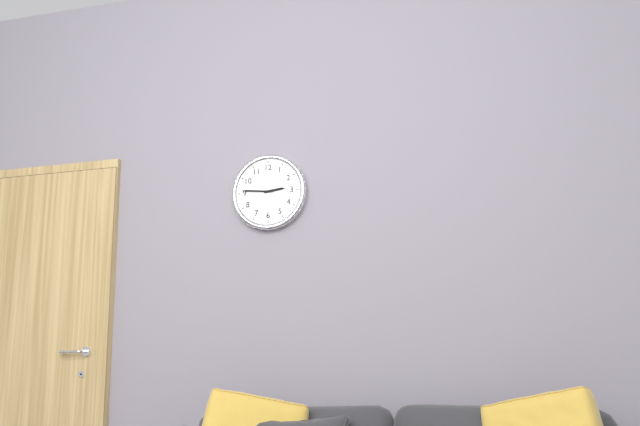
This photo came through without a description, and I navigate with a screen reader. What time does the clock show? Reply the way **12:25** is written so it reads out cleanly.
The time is **2:46**
